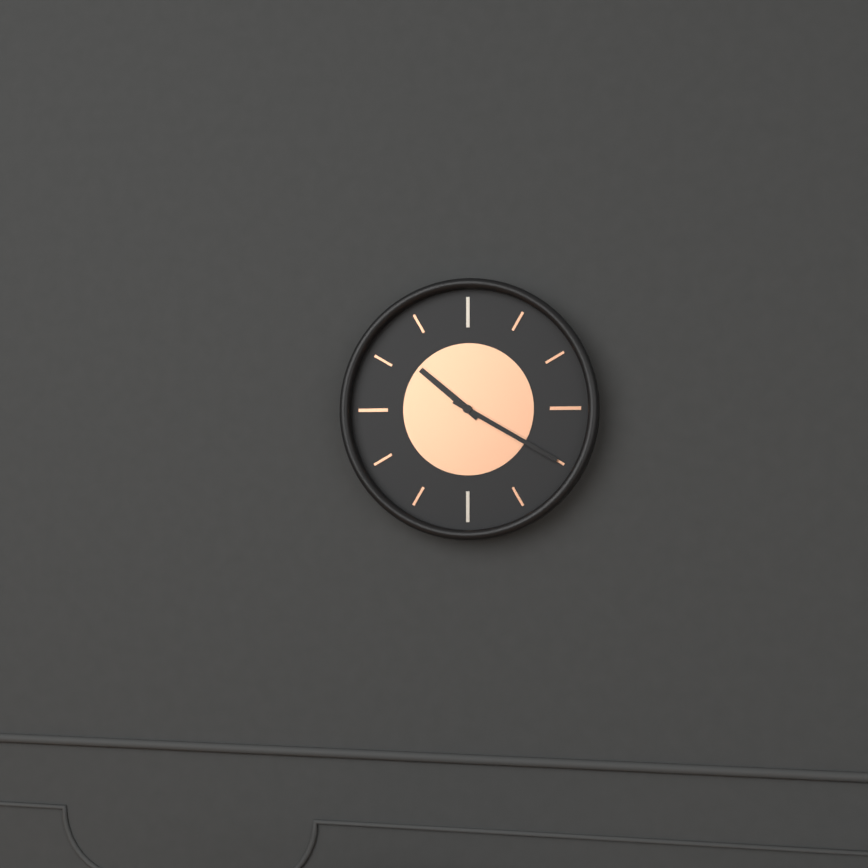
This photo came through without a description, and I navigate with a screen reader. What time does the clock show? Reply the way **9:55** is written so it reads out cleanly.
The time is **10:20**
